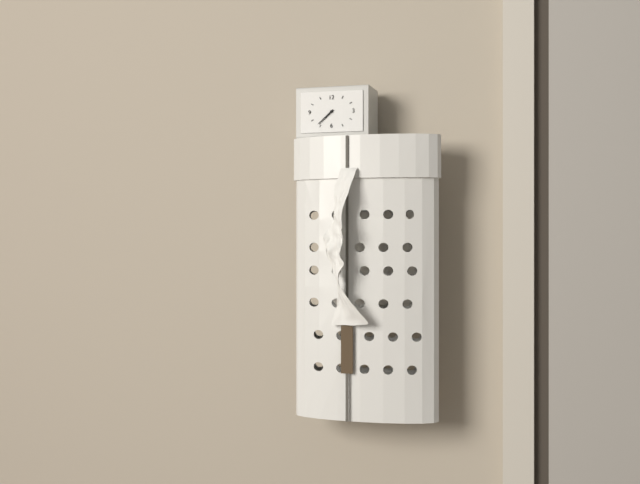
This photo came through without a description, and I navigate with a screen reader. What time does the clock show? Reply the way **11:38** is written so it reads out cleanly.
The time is **7:38**
